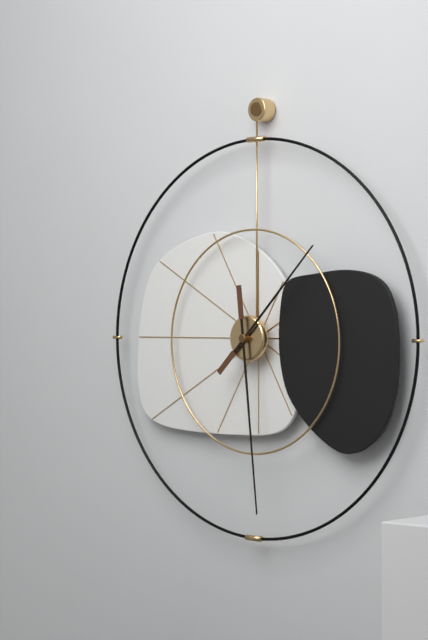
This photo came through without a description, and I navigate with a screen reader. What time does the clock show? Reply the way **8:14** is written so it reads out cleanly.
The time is **1:29**
